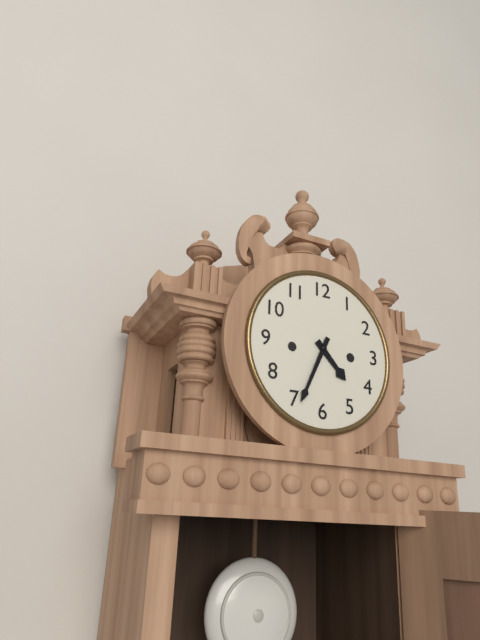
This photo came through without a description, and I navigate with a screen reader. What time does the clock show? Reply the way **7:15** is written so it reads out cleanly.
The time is **4:34**
